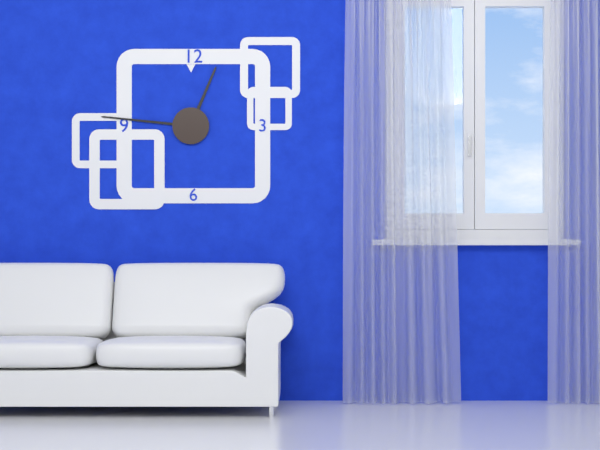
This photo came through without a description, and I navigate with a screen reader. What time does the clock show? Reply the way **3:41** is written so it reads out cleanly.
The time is **12:46**
